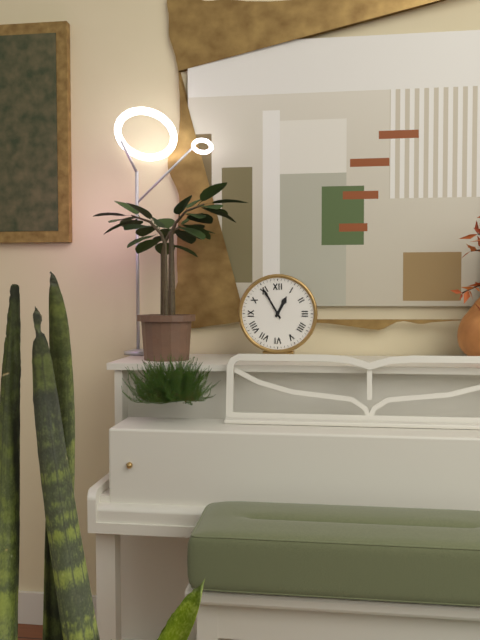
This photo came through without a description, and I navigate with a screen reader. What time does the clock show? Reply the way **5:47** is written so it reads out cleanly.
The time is **12:55**
